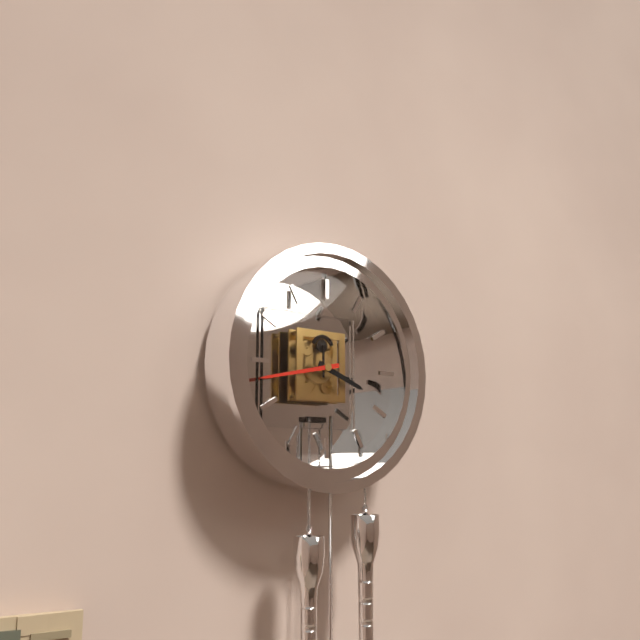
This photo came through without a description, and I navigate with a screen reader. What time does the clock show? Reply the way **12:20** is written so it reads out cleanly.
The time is **3:43**
